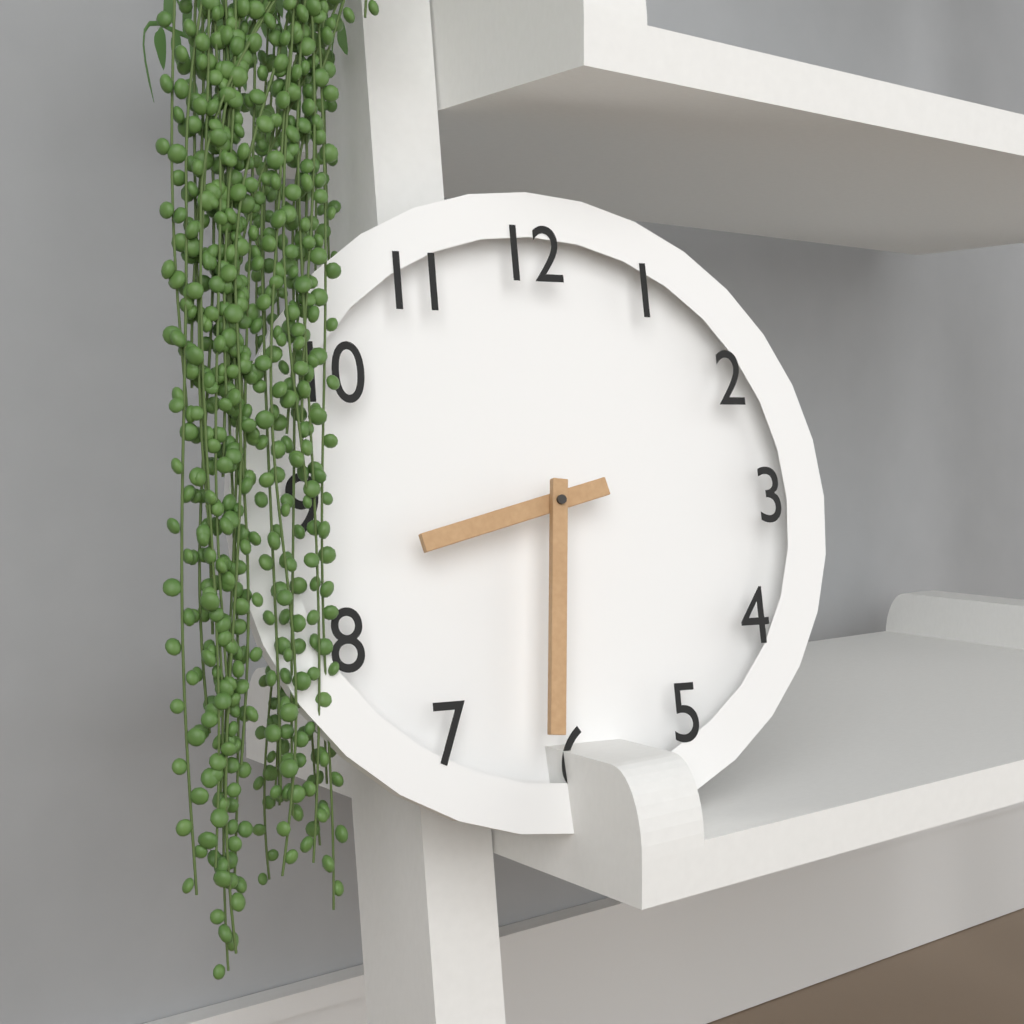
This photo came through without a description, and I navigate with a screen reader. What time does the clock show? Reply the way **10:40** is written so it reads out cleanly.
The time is **8:31**
